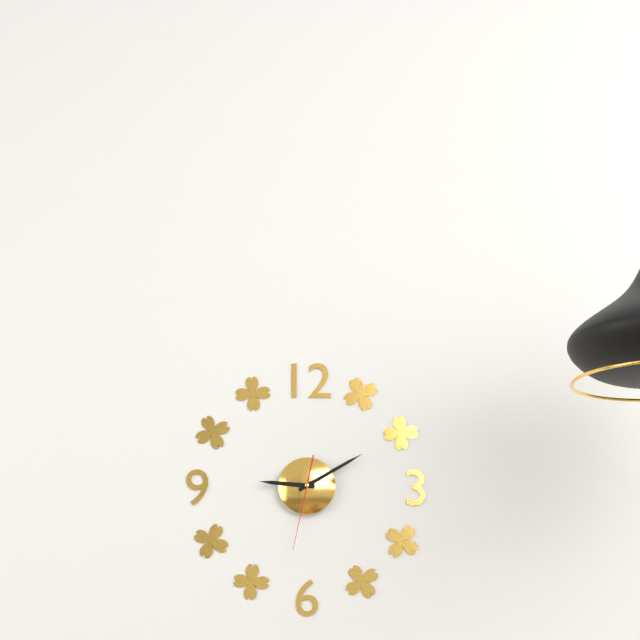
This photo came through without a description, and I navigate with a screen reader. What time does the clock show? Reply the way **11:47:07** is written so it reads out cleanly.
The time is **9:10:32**
